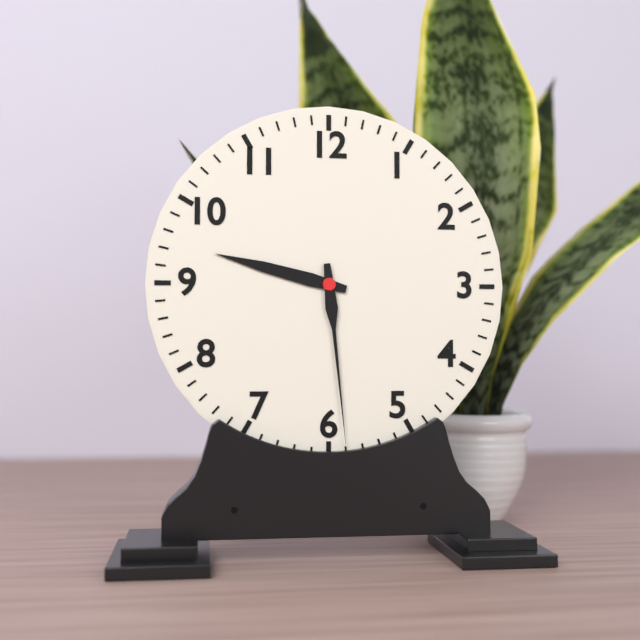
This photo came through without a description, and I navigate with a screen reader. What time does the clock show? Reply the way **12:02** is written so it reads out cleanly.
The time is **9:29**
